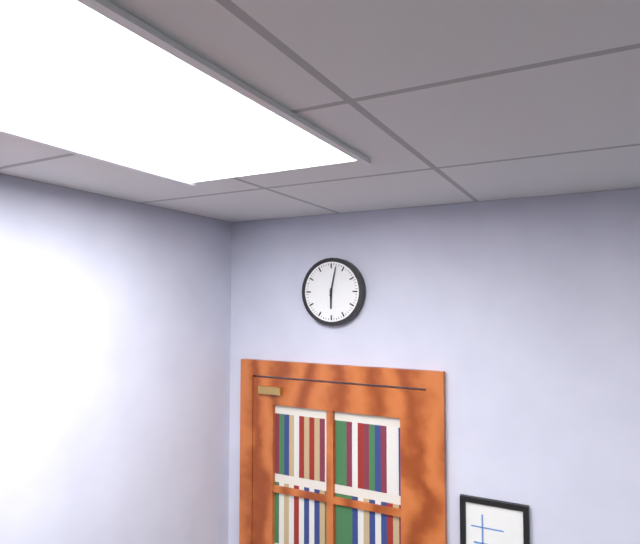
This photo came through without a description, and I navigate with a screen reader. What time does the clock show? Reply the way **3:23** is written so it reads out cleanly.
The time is **6:02**
